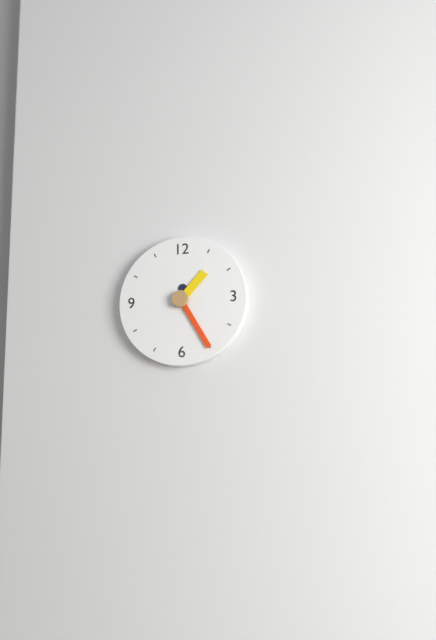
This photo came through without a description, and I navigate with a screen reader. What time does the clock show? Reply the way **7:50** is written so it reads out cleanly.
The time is **1:25**
